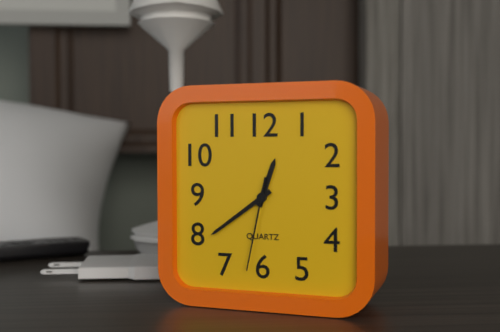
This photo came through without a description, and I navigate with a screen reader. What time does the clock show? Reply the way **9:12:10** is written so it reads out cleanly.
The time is **12:39:32**
